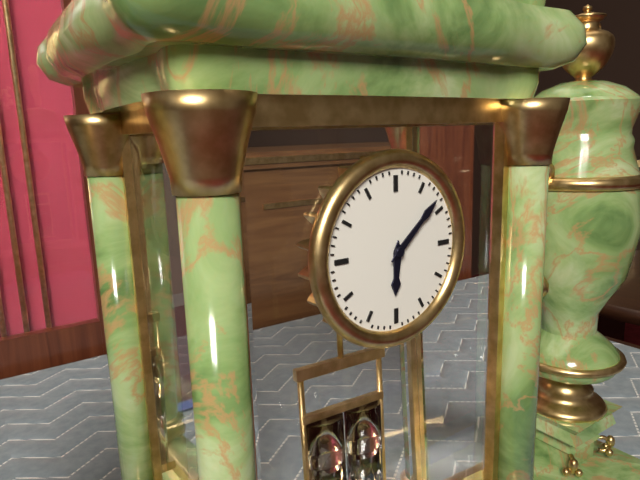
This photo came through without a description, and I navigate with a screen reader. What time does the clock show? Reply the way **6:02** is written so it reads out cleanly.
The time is **6:08**
